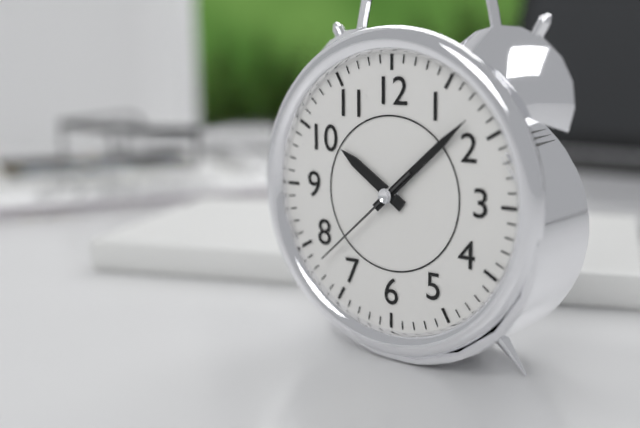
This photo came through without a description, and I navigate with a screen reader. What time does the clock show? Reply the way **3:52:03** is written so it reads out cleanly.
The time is **10:08:38**
